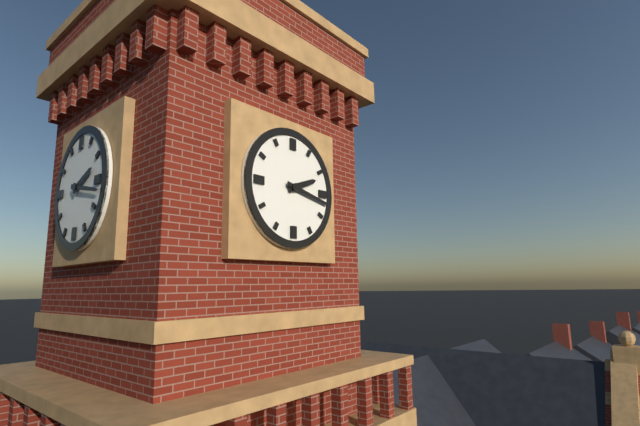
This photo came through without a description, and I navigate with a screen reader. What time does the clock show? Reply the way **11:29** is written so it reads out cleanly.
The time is **2:17**
